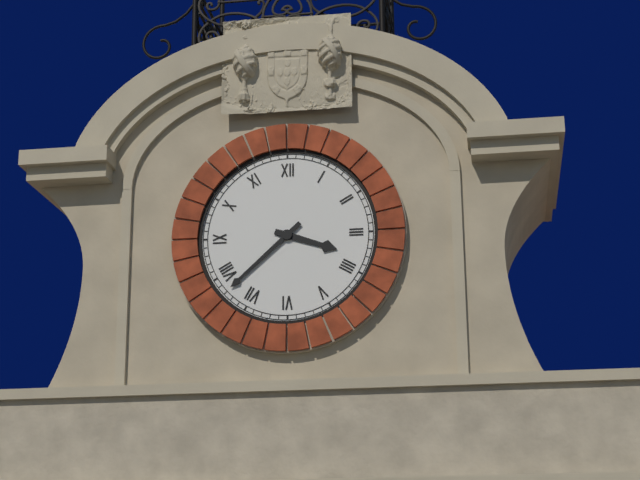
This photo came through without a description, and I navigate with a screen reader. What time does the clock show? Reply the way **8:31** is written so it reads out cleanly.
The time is **3:38**
